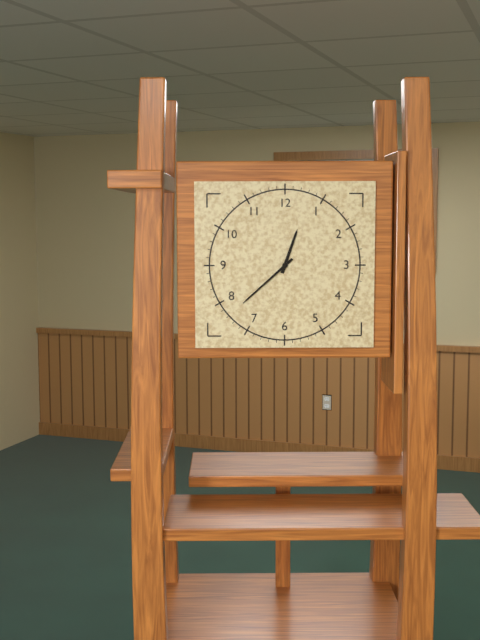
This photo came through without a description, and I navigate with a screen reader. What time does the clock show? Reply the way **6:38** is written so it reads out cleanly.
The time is **12:38**
